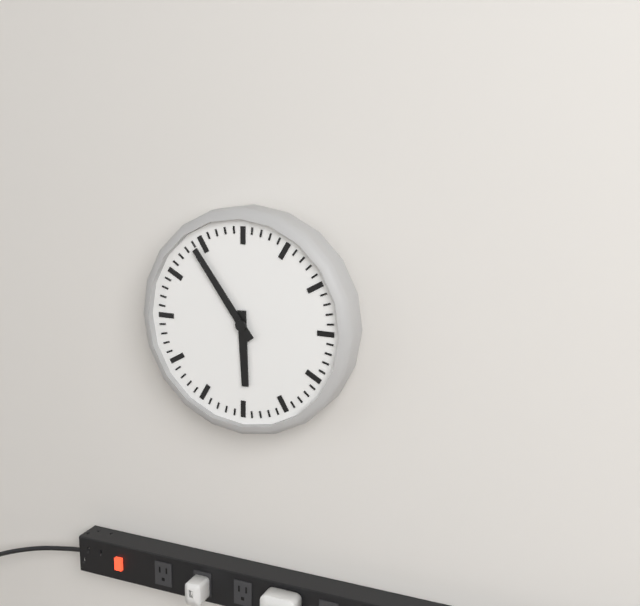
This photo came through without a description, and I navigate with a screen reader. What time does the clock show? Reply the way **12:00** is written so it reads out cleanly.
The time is **5:54**
